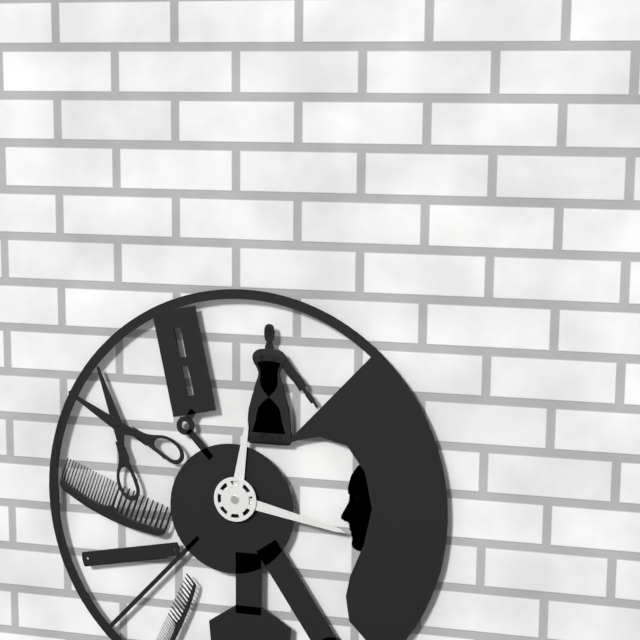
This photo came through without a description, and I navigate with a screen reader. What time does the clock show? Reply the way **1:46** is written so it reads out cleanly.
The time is **12:17**
